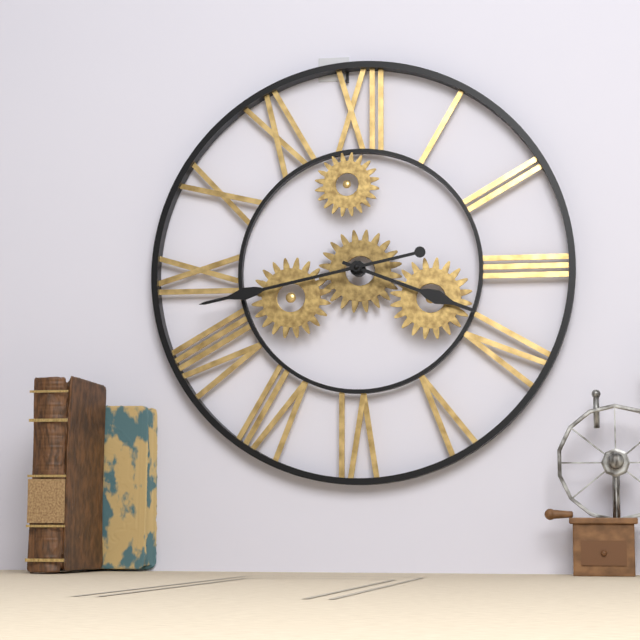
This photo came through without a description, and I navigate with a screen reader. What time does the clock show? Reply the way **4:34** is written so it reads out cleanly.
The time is **3:43**
